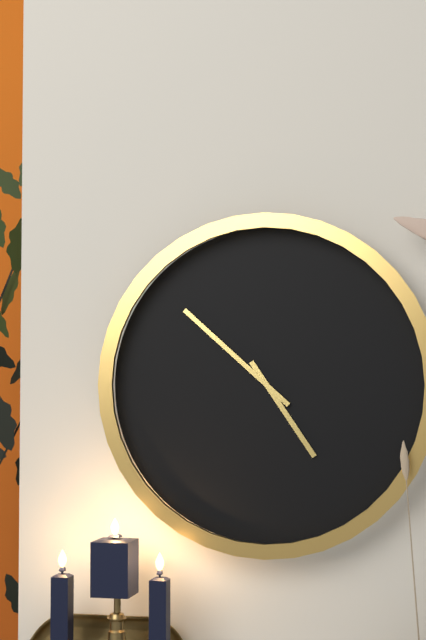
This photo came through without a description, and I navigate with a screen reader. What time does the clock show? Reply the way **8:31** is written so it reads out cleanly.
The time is **4:52**
